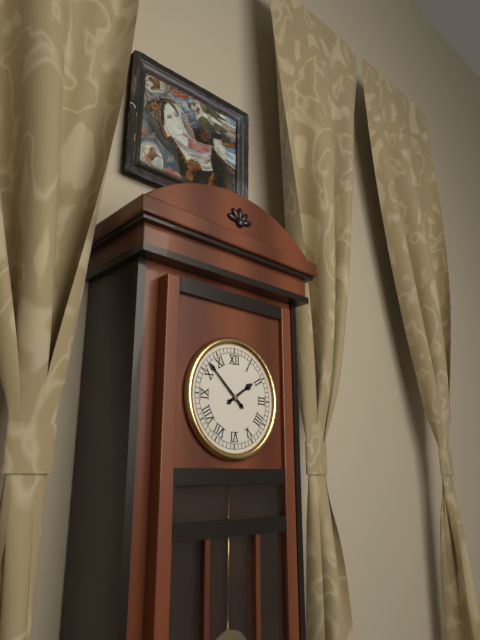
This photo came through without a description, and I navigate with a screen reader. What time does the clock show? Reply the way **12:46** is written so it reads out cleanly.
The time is **1:52**
